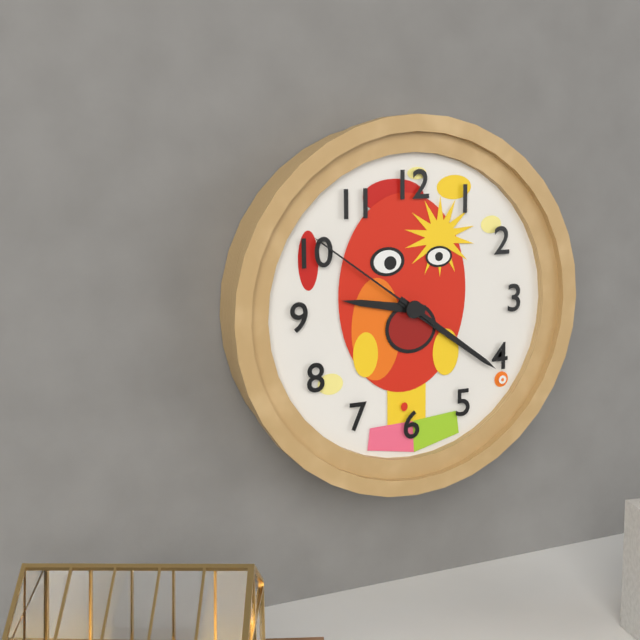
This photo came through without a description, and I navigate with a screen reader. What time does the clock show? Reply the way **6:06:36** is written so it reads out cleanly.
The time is **9:21:51**
